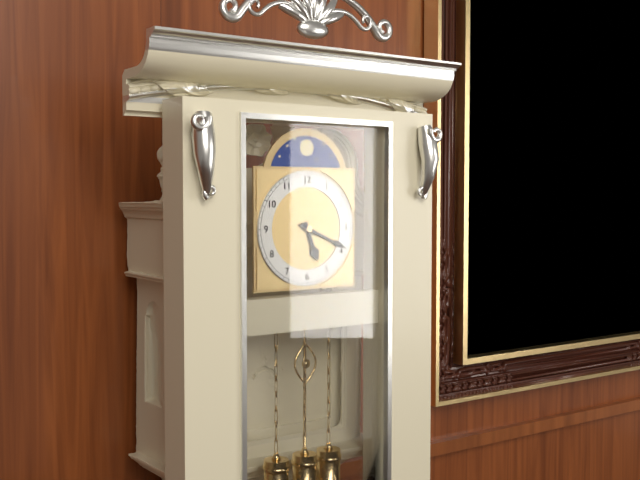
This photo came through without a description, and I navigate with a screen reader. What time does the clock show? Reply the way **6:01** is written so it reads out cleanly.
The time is **5:19**
